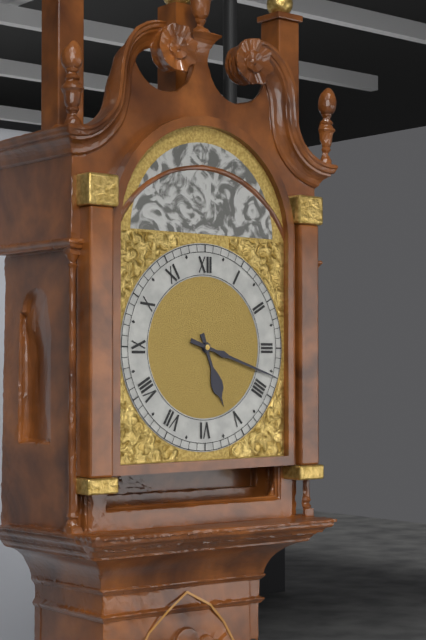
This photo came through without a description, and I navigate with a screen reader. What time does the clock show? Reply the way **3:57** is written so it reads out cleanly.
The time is **5:18**
